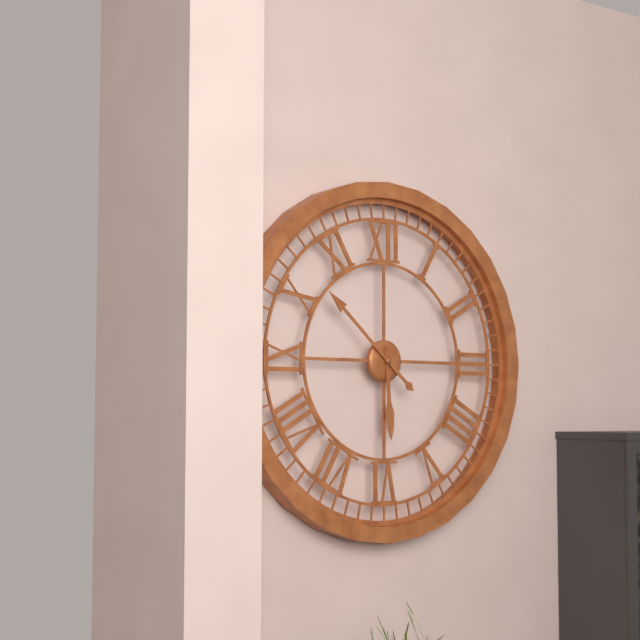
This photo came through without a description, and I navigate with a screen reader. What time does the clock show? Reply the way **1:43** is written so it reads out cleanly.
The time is **5:52**
